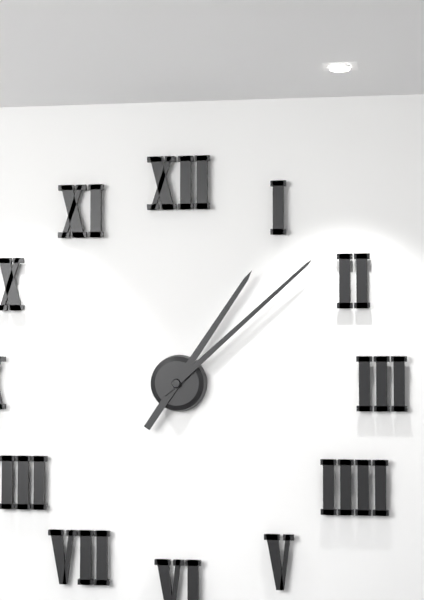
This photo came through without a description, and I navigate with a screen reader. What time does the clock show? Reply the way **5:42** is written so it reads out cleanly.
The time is **1:08**
